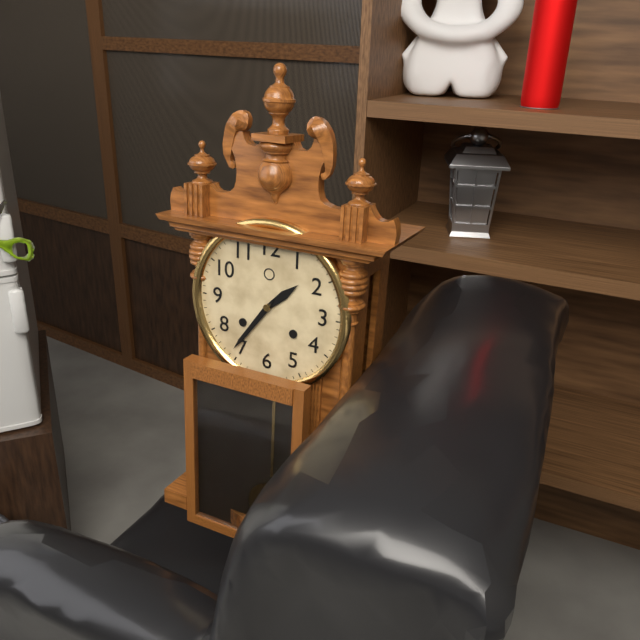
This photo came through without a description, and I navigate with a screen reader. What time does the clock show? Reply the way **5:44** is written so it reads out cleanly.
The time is **1:36**
